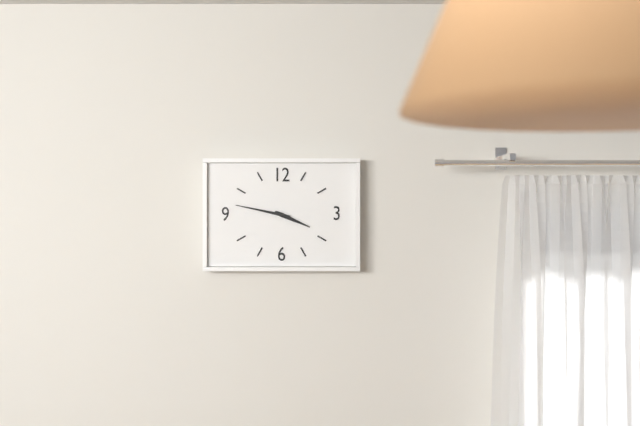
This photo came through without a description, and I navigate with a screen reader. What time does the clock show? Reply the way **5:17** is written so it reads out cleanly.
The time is **3:47**
